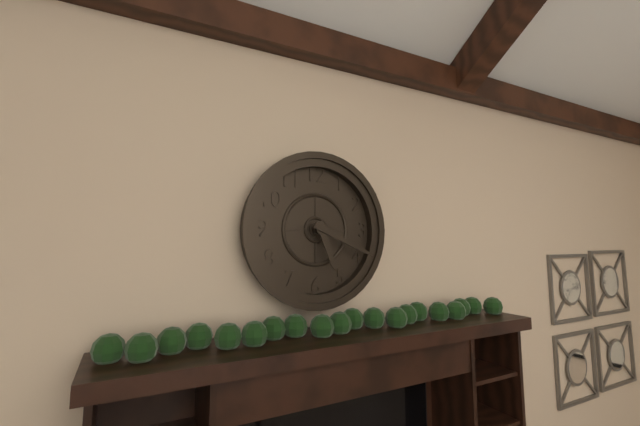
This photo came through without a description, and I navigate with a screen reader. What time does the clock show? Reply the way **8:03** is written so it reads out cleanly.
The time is **5:19**
